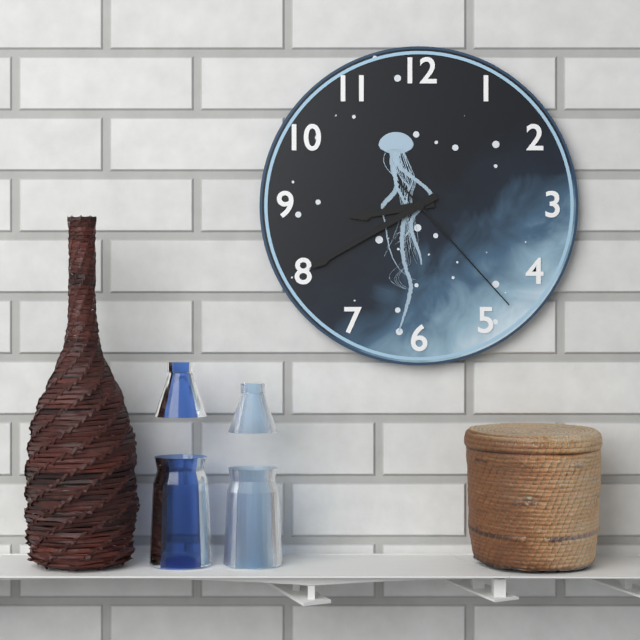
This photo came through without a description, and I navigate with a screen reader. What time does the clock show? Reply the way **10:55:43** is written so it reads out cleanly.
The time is **8:40:23**
